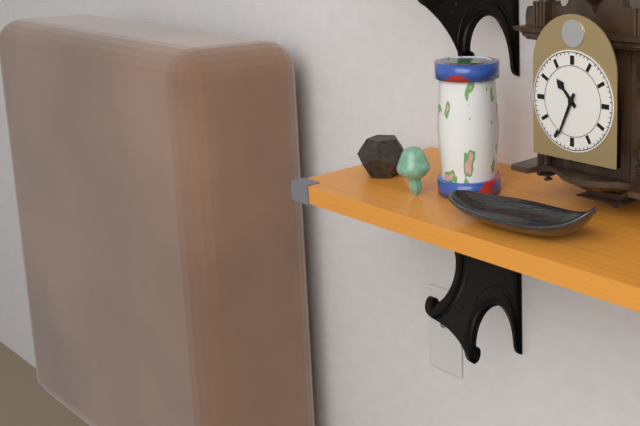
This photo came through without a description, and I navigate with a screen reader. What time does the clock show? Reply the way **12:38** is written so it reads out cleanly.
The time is **10:34**
